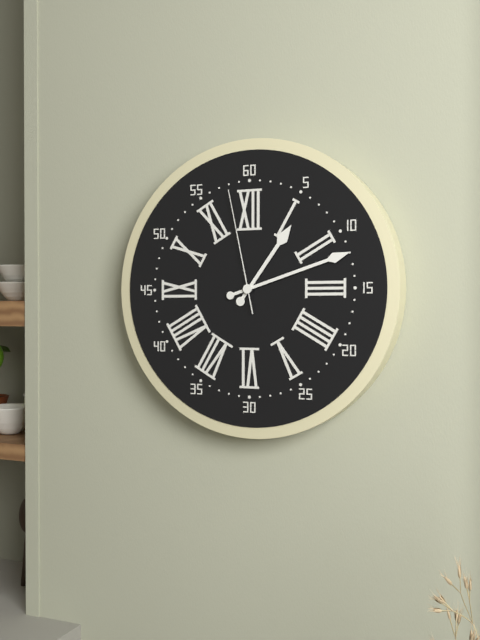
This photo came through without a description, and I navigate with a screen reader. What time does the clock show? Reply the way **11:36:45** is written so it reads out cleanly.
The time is **1:12:58**
